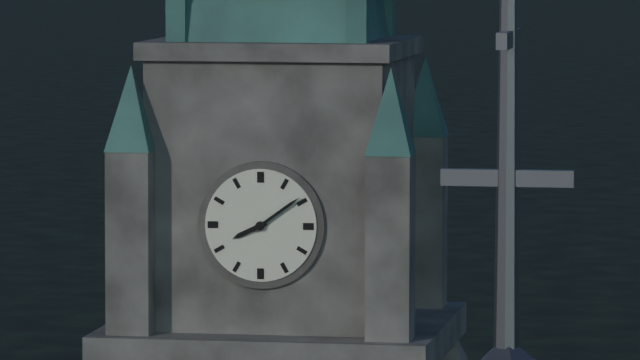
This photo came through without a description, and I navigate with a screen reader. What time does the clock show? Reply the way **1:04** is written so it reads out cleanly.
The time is **8:09**
